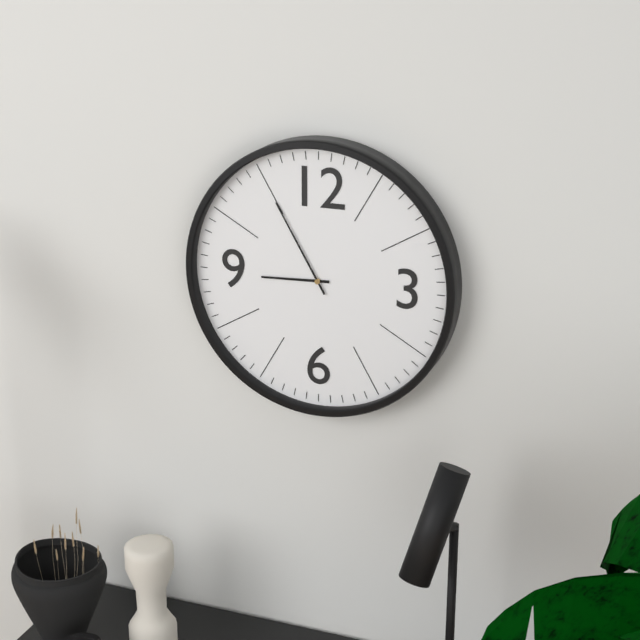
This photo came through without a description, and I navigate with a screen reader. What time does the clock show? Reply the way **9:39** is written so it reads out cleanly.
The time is **8:55**
